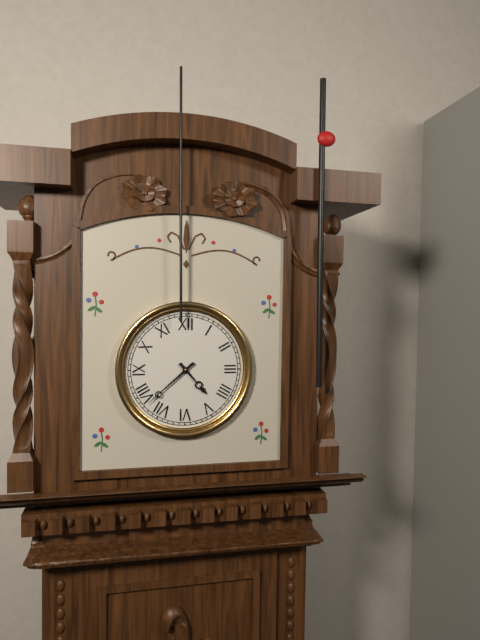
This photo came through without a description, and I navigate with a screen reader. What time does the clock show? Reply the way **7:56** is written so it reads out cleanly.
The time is **4:38**
